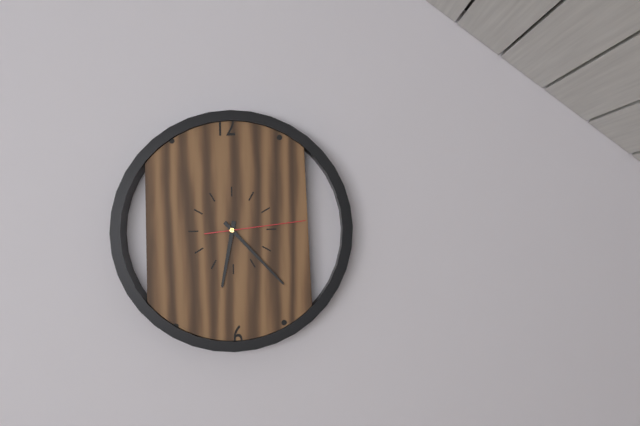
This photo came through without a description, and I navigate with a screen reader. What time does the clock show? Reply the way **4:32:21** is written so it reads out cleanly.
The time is **6:23:14**
